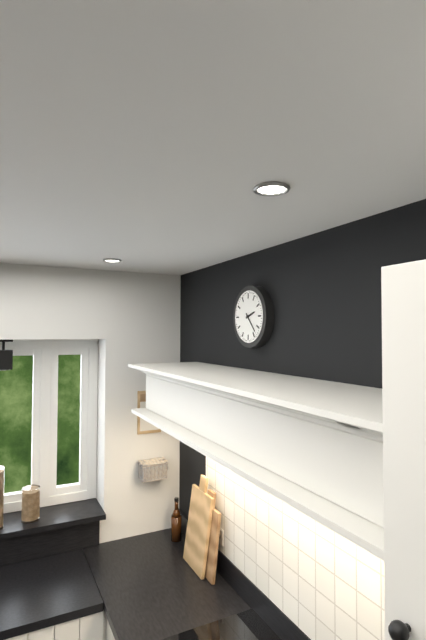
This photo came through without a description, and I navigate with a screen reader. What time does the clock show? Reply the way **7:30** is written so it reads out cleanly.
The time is **2:23**
